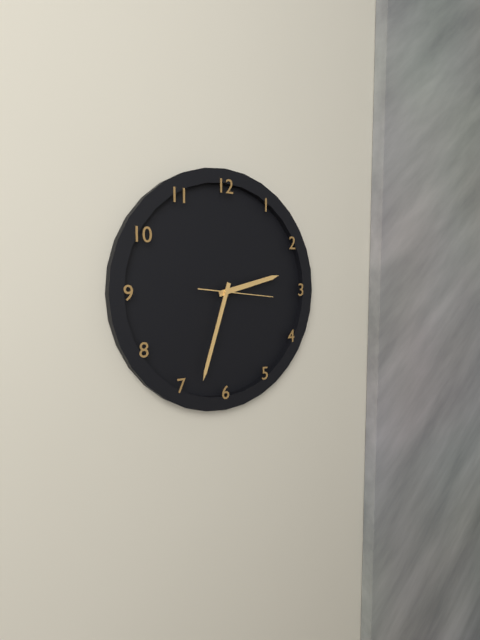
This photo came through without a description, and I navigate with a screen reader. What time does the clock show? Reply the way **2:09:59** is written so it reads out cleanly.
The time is **2:33:16**
